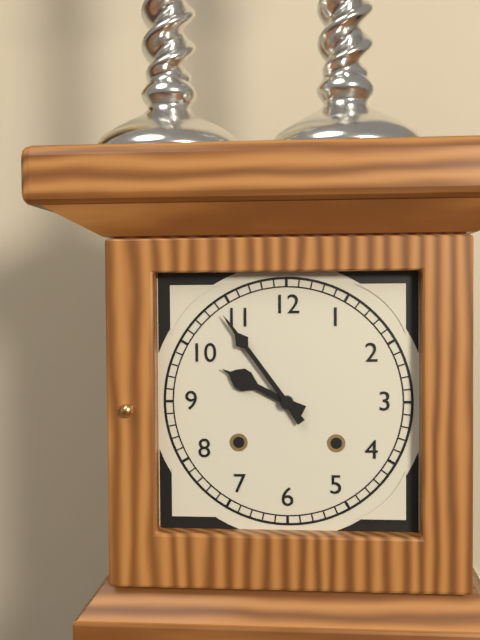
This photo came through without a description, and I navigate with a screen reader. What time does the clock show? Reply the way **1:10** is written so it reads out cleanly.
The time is **9:54**
